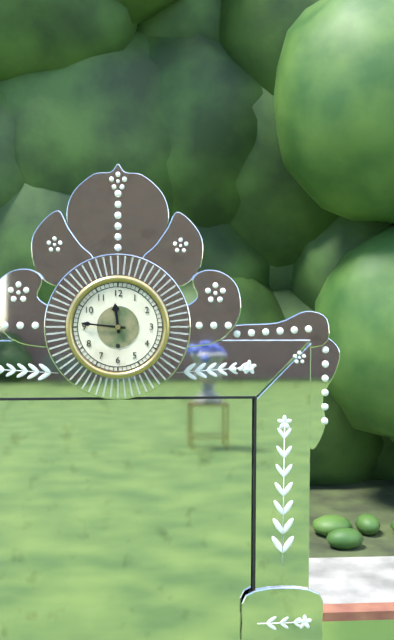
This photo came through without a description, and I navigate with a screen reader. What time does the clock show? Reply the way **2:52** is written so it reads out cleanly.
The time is **11:46**
